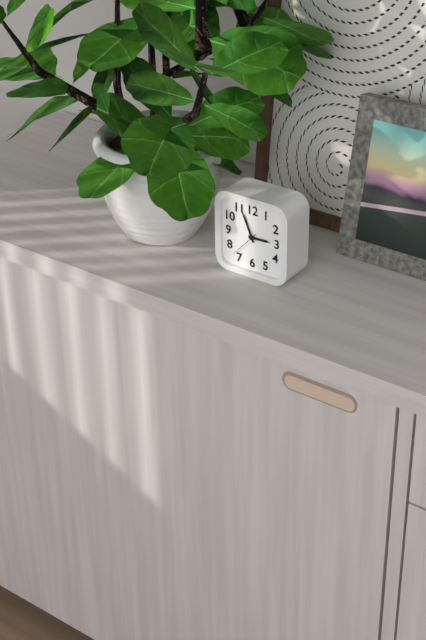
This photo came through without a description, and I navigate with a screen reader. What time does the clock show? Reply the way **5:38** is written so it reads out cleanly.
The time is **2:56**
